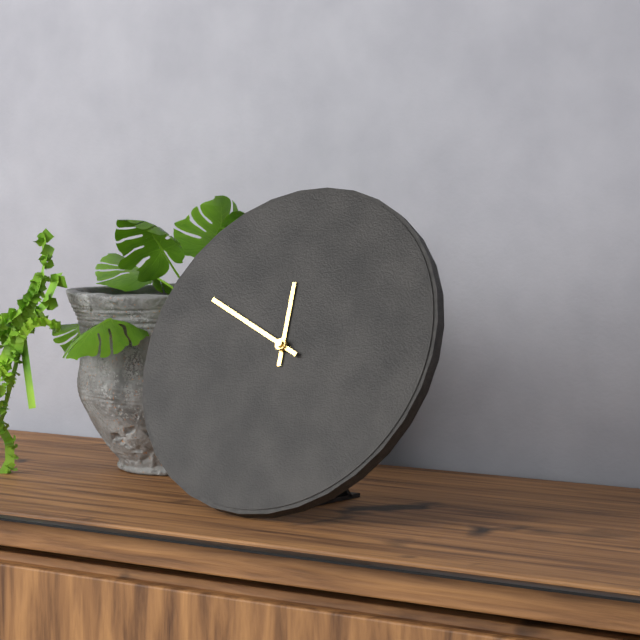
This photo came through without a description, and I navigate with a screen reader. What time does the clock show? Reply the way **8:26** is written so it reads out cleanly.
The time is **11:49**
